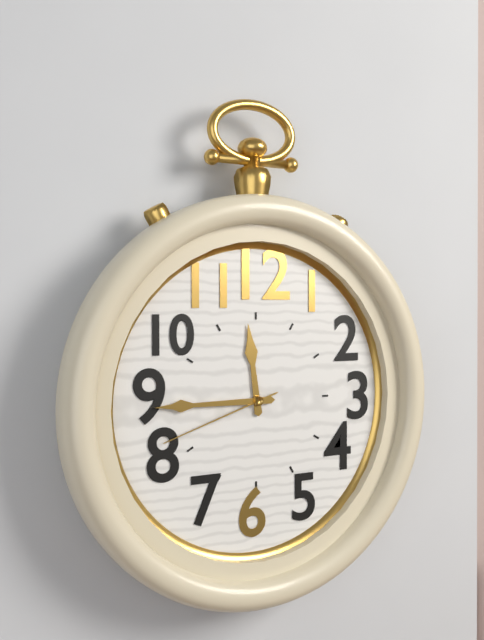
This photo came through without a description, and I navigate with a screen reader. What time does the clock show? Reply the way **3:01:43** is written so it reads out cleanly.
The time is **11:45:42**
